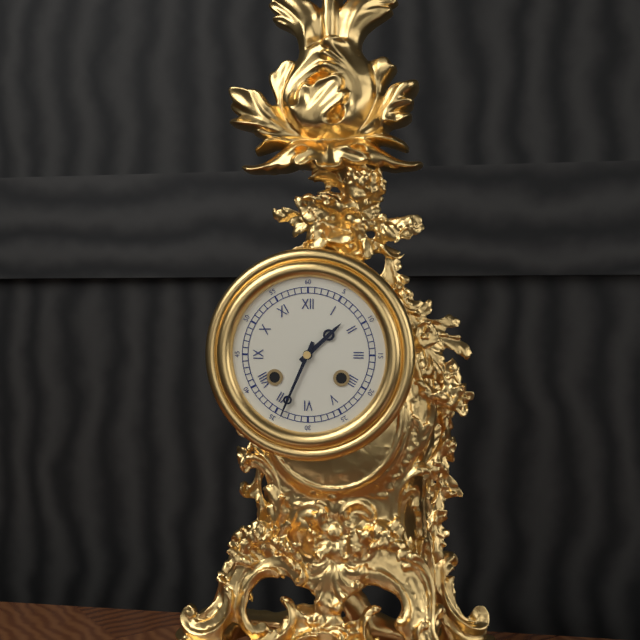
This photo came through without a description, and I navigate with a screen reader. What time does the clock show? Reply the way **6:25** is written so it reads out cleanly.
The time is **1:34**
